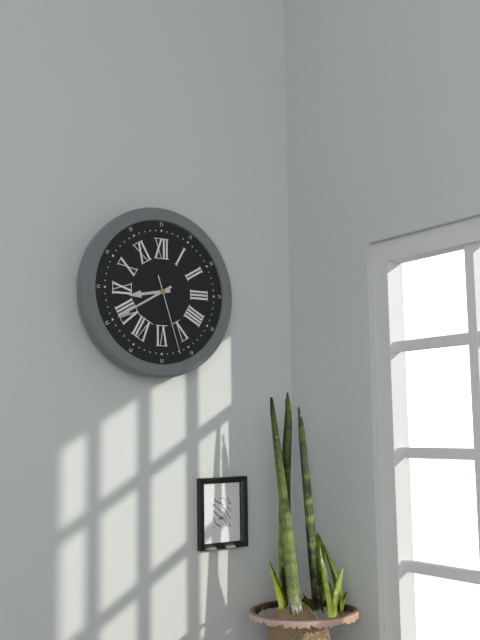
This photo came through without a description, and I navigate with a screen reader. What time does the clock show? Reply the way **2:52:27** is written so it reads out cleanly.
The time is **8:40:27**
